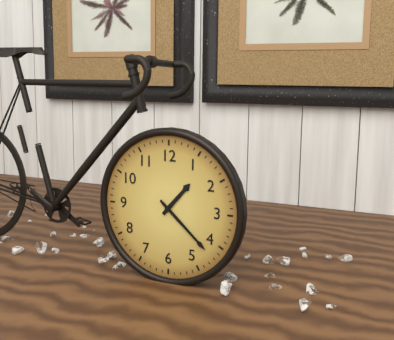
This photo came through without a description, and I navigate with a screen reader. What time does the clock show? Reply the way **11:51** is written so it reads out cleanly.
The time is **1:22**
